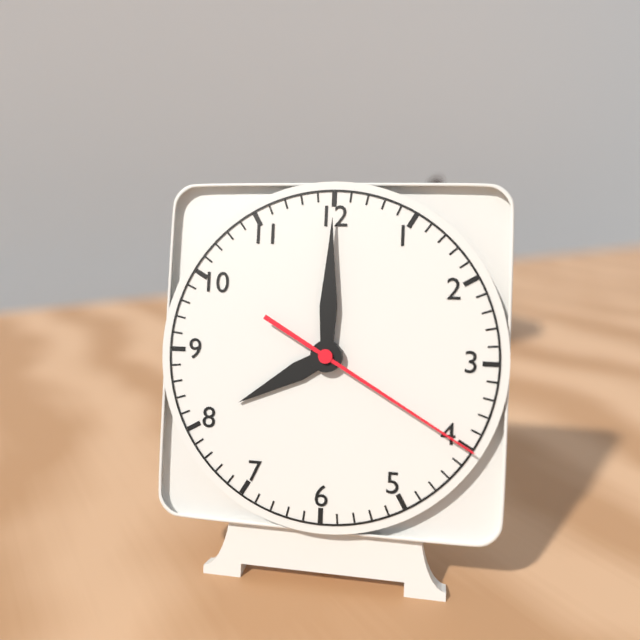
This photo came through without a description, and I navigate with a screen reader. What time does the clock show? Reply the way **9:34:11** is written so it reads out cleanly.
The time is **8:00:20**
